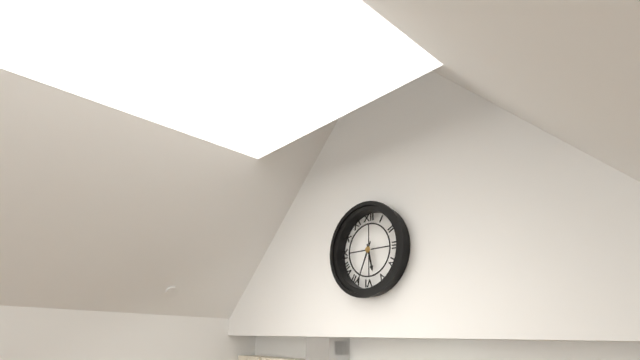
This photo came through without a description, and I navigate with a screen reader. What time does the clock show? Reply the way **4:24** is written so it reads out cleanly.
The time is **5:34**
